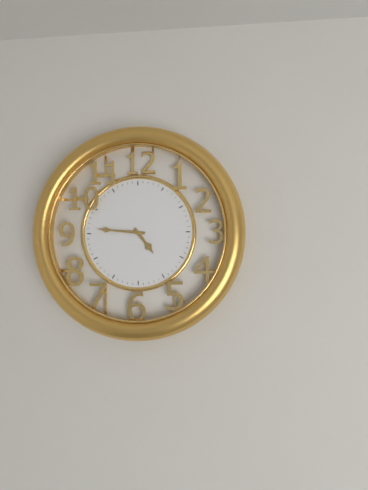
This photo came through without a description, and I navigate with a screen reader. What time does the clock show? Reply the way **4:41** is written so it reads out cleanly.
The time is **4:46**
